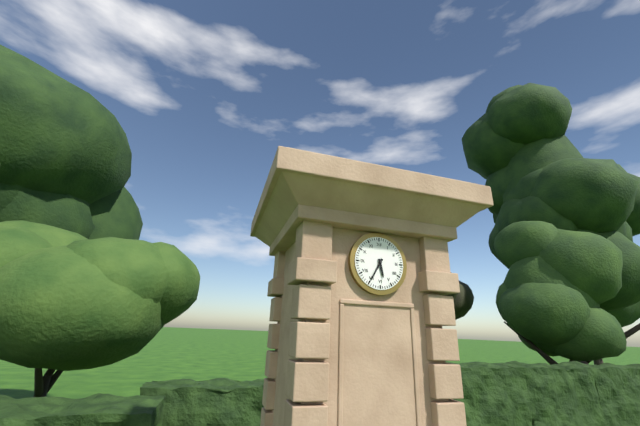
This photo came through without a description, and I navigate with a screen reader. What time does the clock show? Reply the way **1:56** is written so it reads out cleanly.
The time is **5:35**
